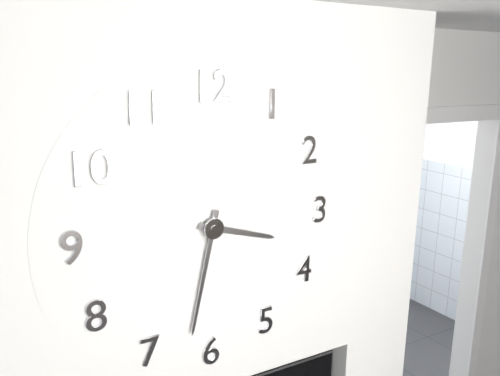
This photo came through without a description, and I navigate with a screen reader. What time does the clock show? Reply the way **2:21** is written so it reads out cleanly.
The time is **3:32**
